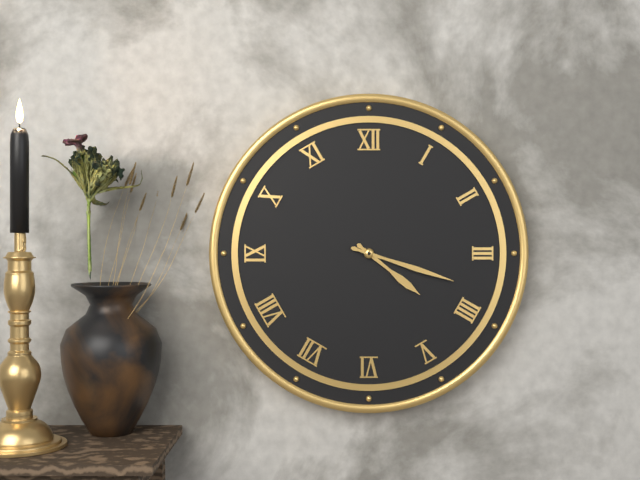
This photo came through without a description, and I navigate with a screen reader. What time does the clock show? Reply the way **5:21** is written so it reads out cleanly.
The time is **4:18**
